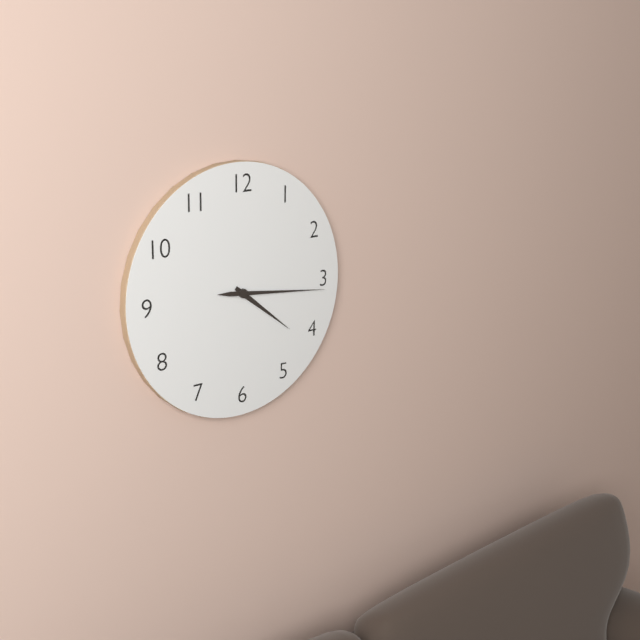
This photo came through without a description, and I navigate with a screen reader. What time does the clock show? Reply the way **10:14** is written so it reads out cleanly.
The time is **4:16**
